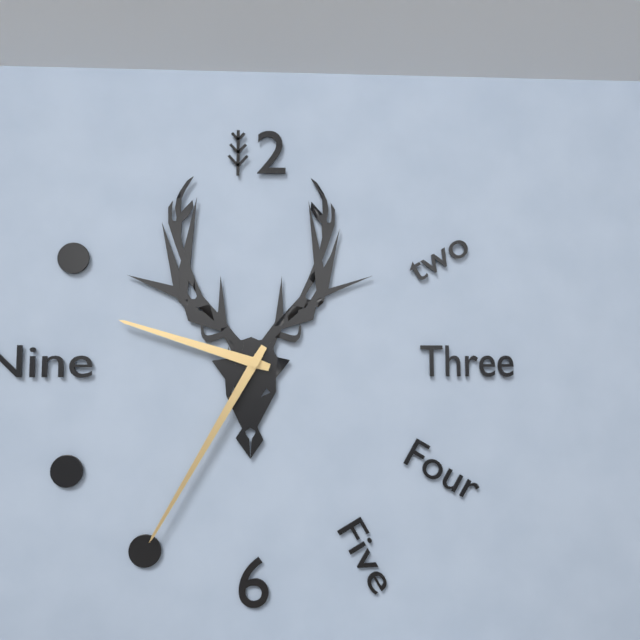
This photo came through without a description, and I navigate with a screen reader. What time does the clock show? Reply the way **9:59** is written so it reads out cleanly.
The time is **9:35**
